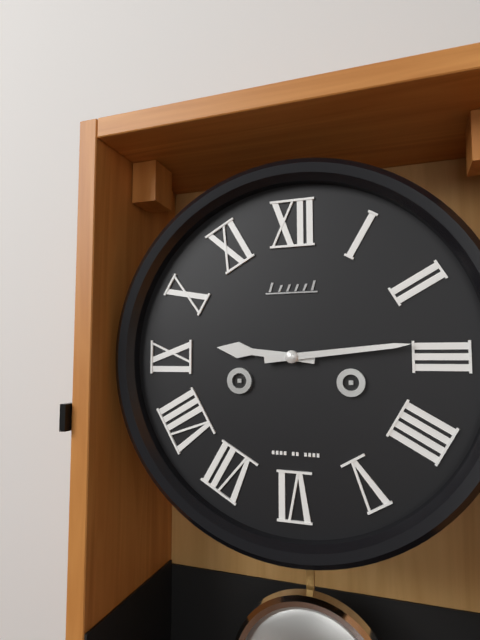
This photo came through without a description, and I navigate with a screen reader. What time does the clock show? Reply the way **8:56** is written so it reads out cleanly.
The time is **9:14**
